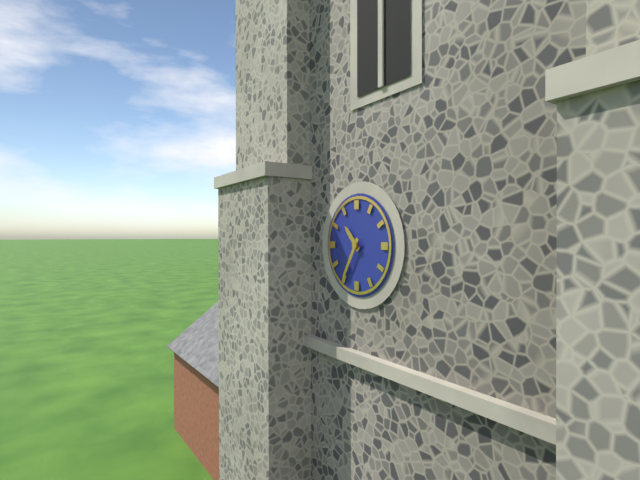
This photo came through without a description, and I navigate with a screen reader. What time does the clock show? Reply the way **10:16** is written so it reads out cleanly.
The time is **10:35**
